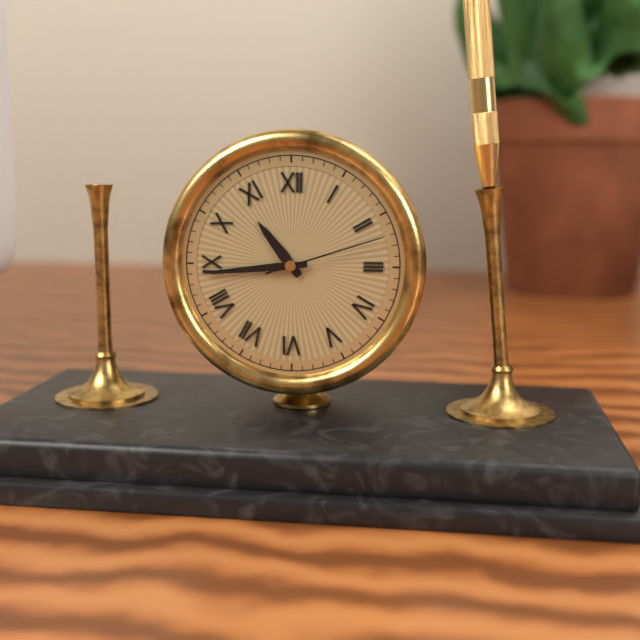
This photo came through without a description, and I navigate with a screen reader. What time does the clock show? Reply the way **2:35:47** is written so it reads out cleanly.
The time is **10:44:12**
